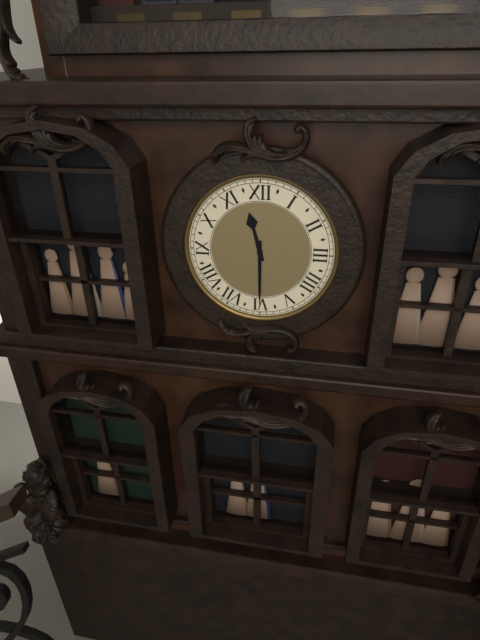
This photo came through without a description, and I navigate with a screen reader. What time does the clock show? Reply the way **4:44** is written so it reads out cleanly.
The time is **11:30**
